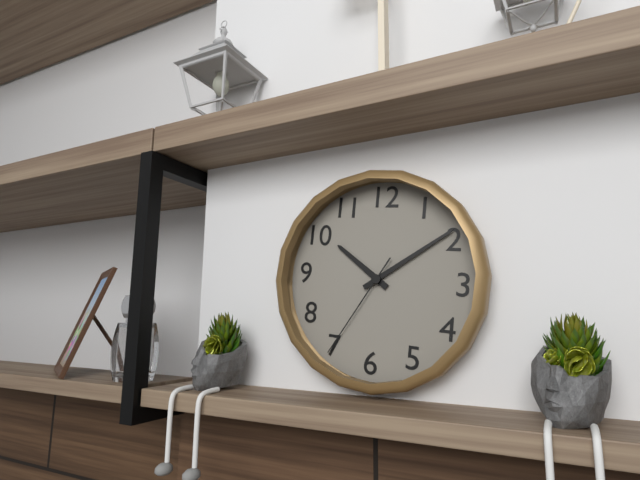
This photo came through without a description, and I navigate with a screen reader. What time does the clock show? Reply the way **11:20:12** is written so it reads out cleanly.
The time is **10:09:35**
